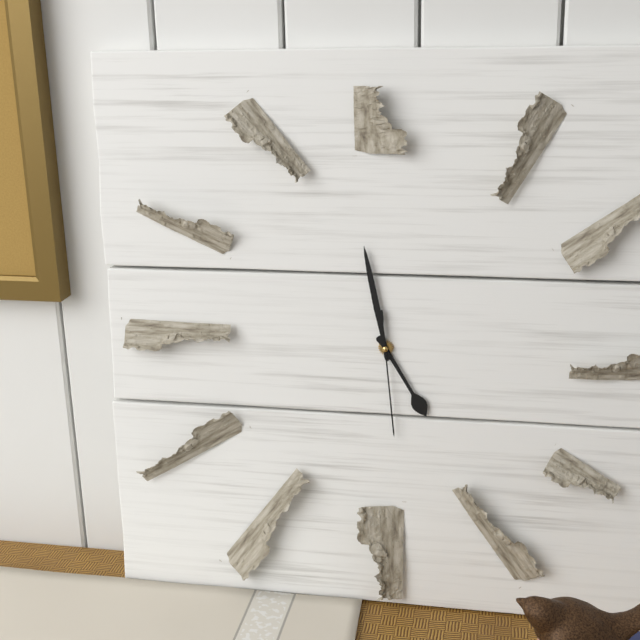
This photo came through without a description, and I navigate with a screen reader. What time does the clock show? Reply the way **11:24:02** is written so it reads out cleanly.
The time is **4:58:29**
